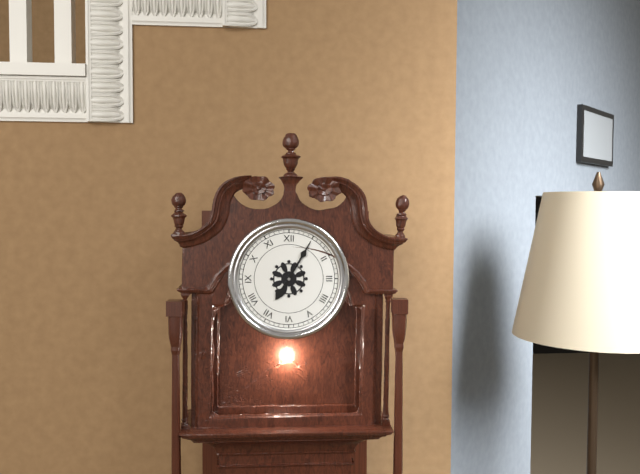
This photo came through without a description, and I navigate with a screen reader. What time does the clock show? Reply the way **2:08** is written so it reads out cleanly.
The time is **7:05**
